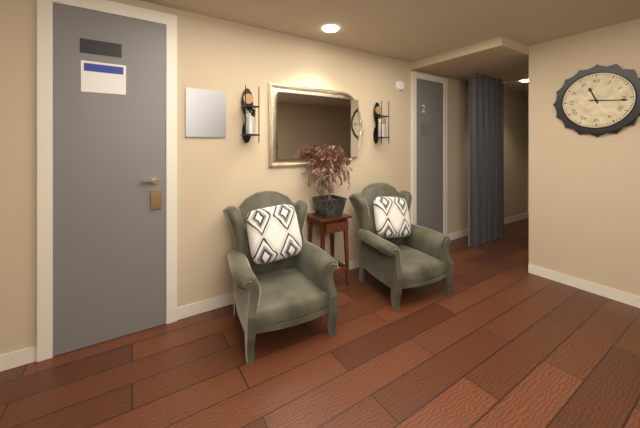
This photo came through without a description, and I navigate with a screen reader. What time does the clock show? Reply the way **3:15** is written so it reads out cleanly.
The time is **11:16**
